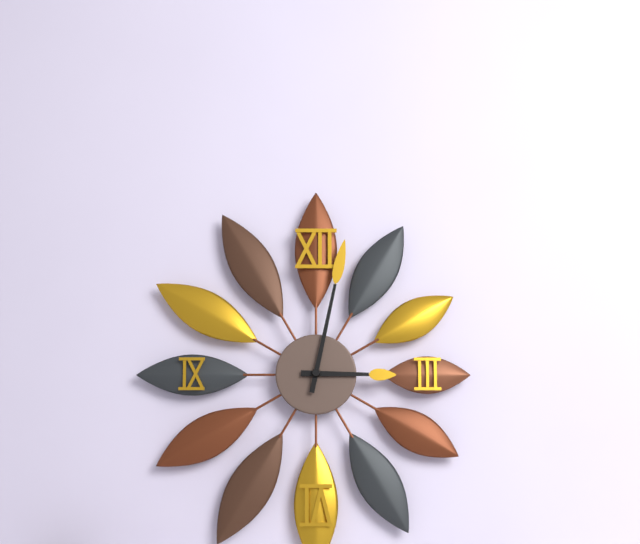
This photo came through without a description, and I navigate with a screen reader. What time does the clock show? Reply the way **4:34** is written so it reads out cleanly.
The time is **3:02**
